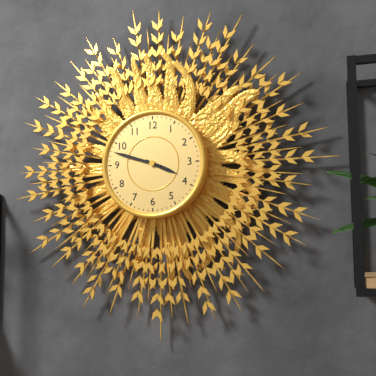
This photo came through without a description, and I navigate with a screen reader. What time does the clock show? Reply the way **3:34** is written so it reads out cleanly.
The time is **3:48**
